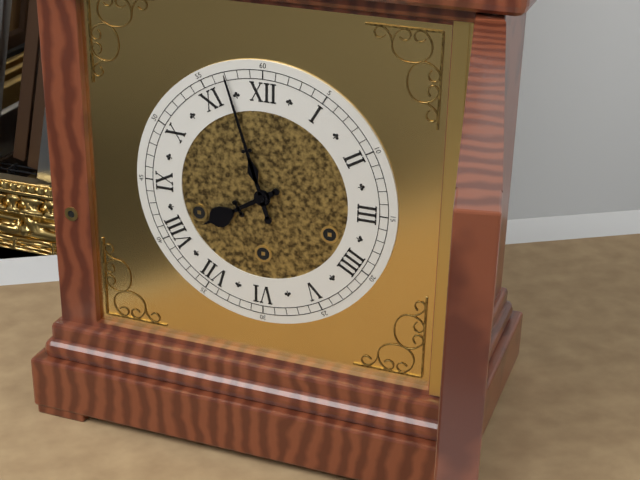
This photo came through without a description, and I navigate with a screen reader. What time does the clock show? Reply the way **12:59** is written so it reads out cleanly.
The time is **7:57**
